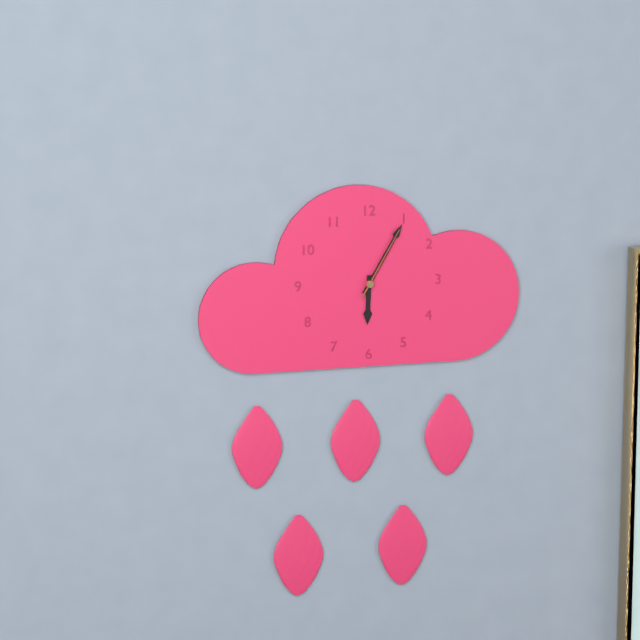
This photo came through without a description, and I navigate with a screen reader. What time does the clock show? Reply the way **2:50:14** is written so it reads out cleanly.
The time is **6:05:05**
